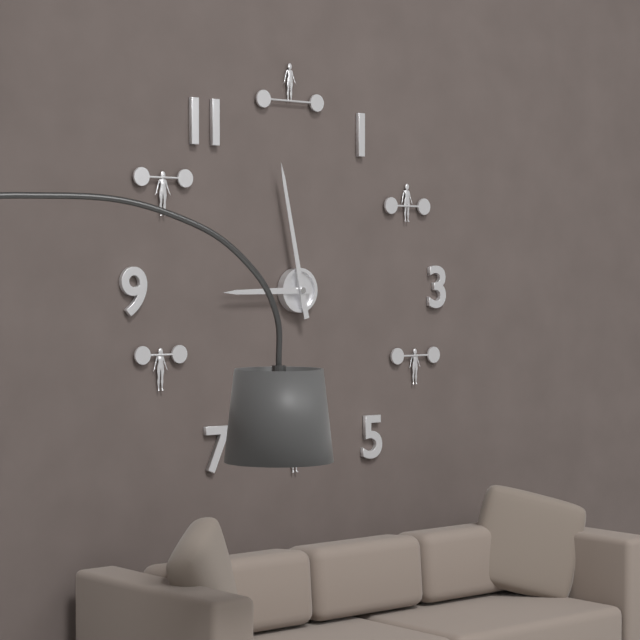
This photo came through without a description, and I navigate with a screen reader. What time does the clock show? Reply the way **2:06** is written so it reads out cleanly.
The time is **8:58**
